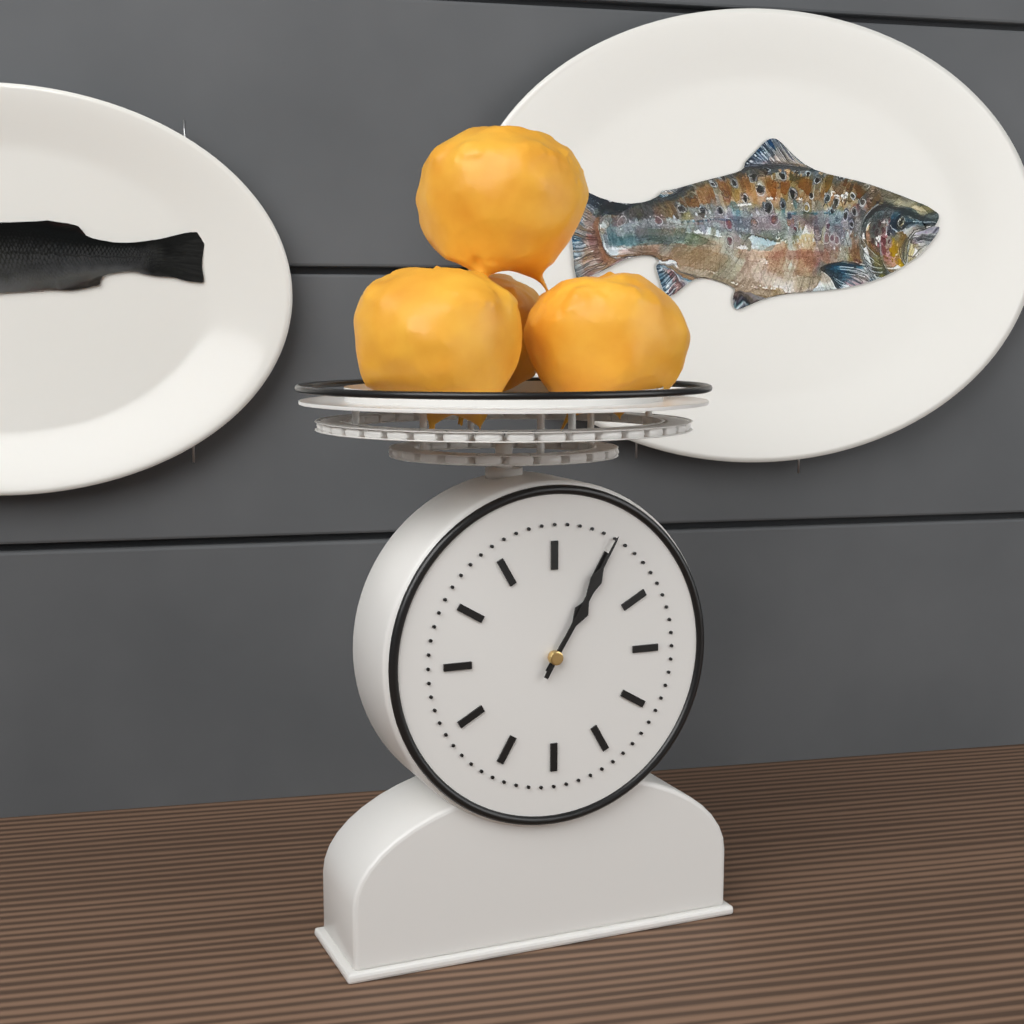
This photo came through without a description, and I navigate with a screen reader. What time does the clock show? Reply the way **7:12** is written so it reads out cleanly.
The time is **1:05**
